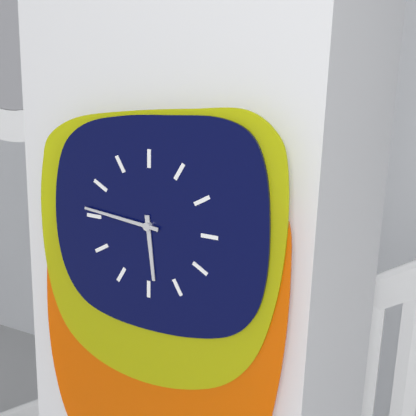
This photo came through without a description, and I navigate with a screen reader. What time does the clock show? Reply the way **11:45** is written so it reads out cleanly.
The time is **5:46**
